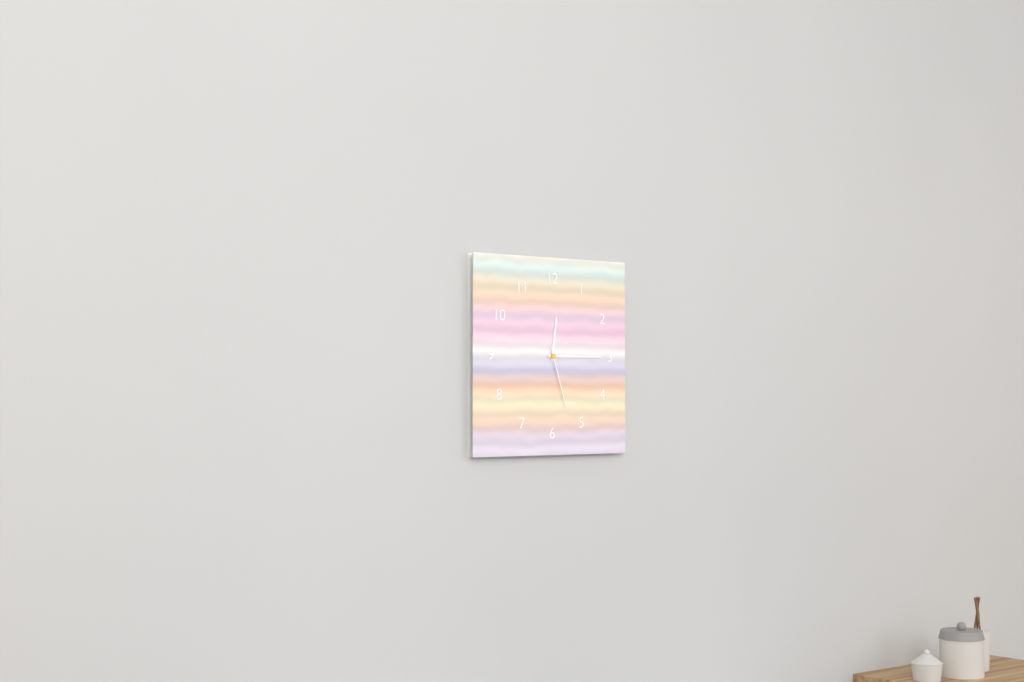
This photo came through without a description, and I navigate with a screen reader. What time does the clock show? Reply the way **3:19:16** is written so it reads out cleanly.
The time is **12:15:27**
